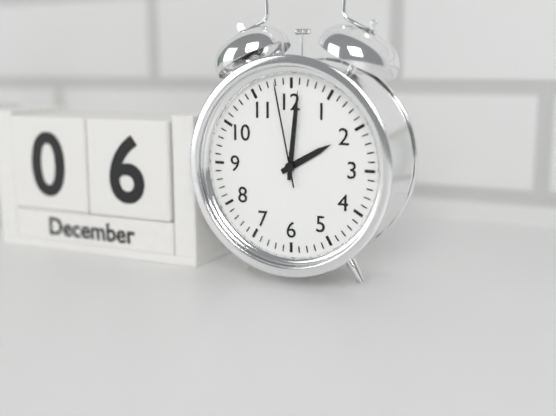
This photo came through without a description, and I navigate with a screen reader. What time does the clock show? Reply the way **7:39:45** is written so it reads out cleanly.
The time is **2:01:58**
